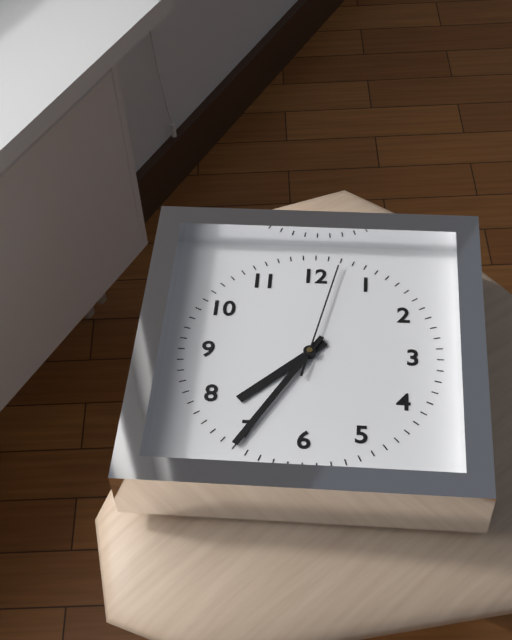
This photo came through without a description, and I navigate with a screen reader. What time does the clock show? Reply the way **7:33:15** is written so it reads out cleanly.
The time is **7:35:02**
